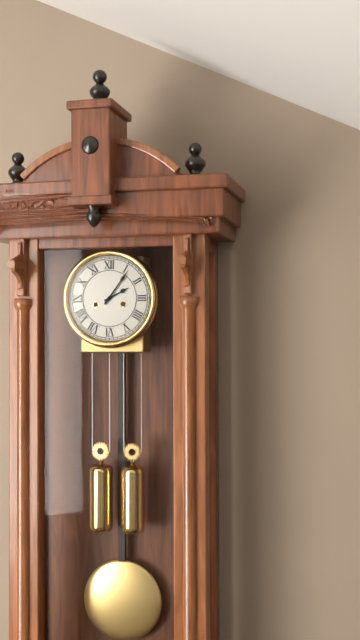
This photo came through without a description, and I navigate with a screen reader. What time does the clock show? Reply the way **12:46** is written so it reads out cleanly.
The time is **2:06**
